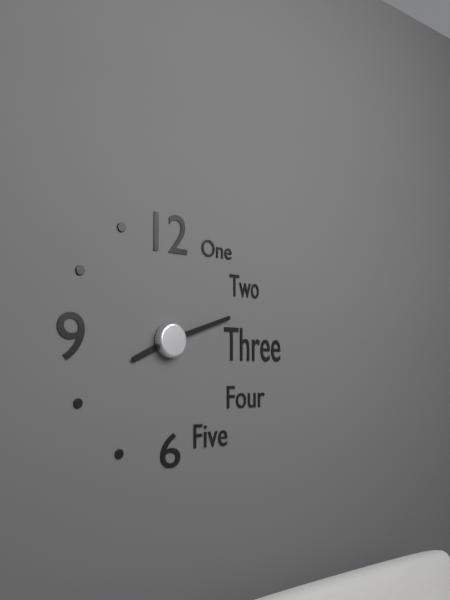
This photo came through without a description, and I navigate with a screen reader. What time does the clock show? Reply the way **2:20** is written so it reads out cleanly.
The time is **8:12**
